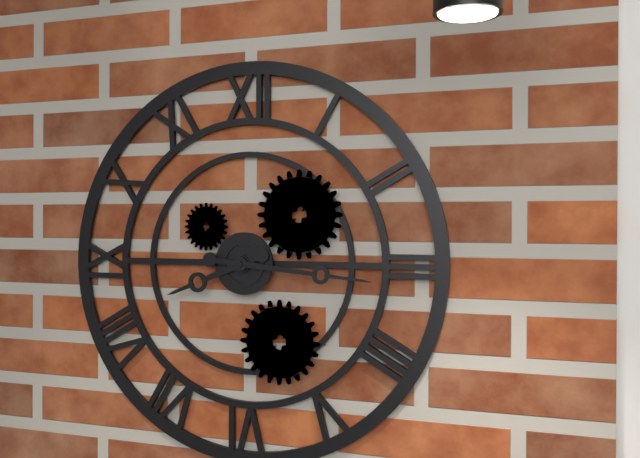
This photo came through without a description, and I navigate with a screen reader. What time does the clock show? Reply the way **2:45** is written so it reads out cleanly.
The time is **8:16**
